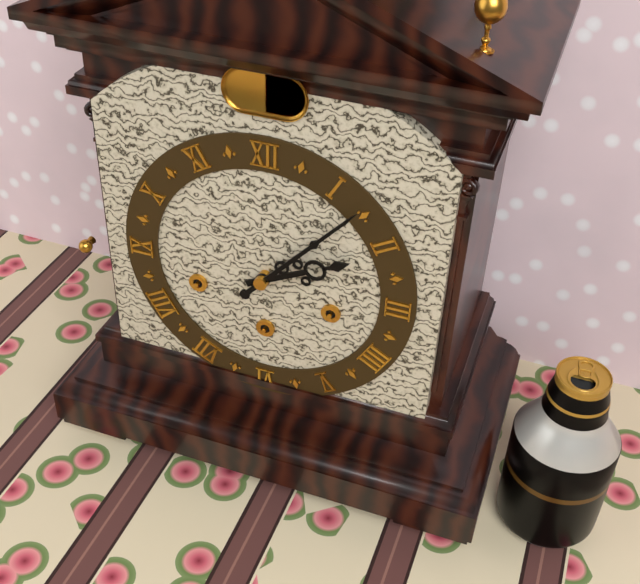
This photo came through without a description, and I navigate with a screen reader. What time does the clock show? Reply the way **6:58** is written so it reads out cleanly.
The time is **2:07**
